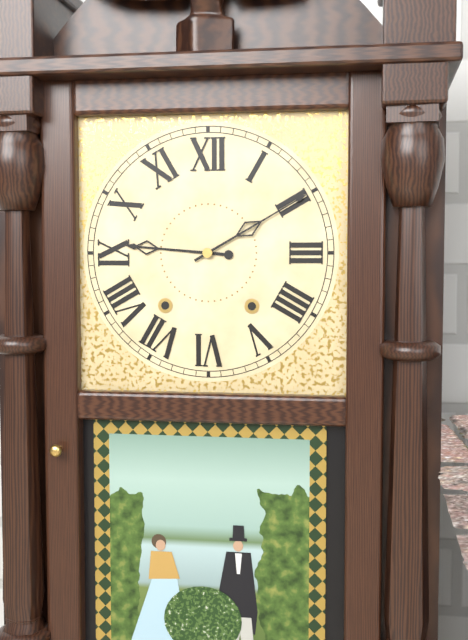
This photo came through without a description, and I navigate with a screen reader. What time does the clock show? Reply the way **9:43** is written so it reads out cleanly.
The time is **9:10**
